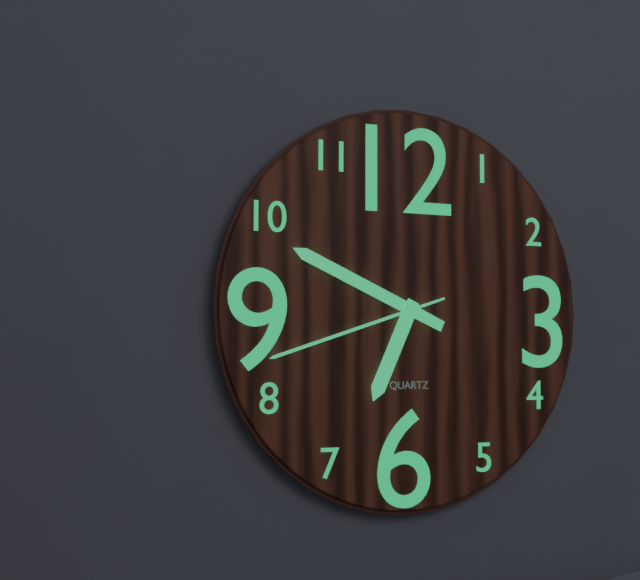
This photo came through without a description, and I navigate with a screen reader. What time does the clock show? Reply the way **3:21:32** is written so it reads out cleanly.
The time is **6:49:42**
